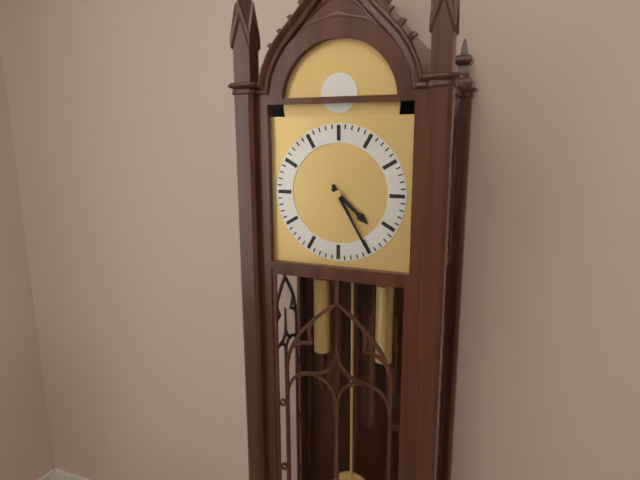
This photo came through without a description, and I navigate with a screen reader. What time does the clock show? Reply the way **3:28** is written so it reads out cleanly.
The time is **4:25**
